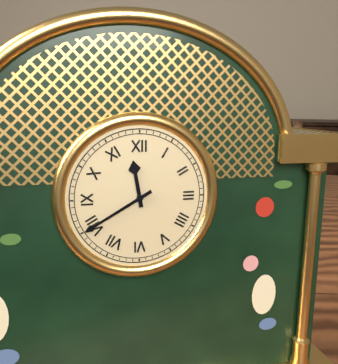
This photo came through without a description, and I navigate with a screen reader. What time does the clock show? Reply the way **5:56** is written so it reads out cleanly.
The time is **11:40**
